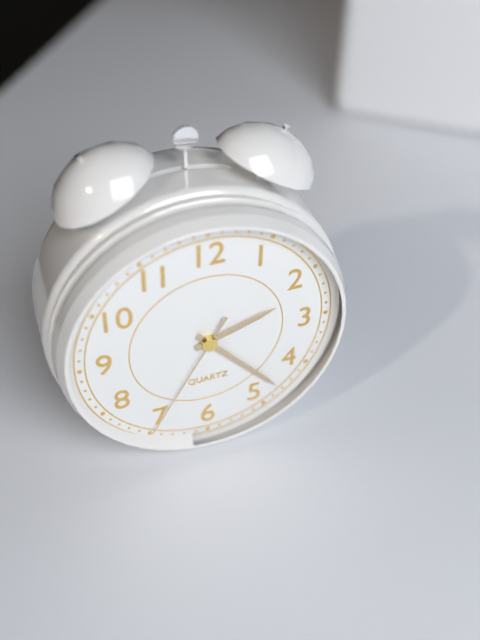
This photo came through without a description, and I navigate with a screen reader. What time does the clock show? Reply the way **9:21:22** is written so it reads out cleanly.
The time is **2:23:35**
